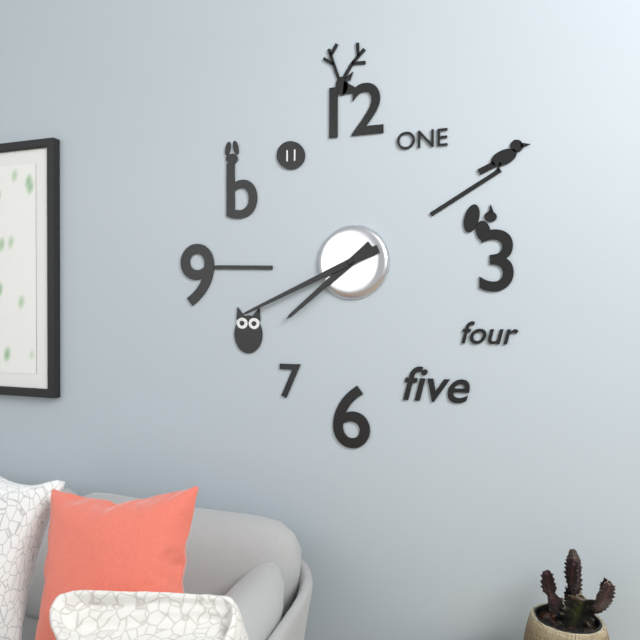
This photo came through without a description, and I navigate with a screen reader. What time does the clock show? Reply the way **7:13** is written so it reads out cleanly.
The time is **7:41**
